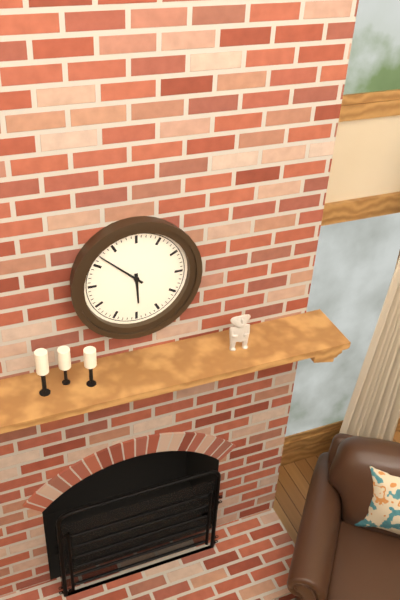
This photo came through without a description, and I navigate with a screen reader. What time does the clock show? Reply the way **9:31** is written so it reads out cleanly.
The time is **5:52**
